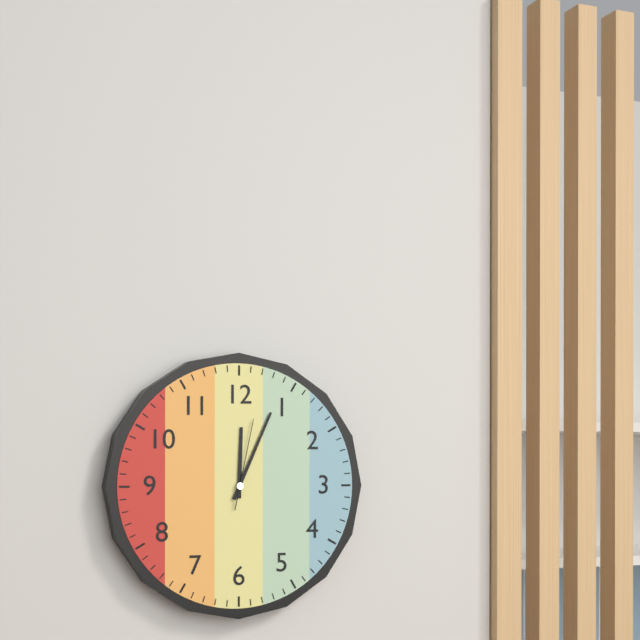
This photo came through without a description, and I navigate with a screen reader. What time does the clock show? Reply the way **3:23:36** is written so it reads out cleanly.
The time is **12:04:02**
